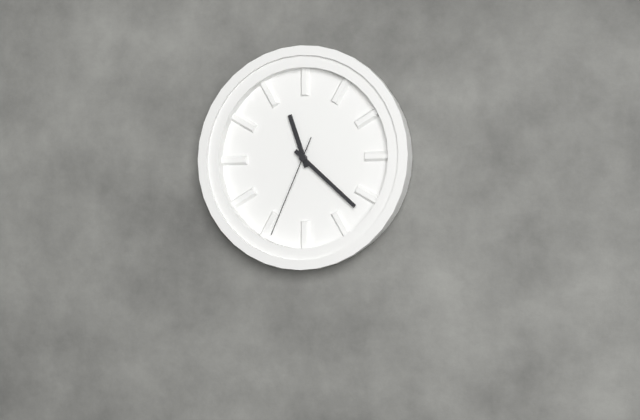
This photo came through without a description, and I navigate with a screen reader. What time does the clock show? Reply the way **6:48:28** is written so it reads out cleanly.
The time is **11:22:34**
